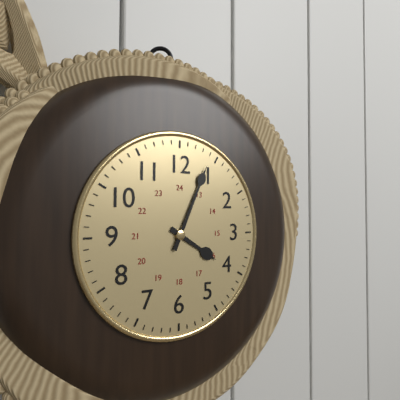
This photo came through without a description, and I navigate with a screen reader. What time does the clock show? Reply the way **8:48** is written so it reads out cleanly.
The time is **4:04**
